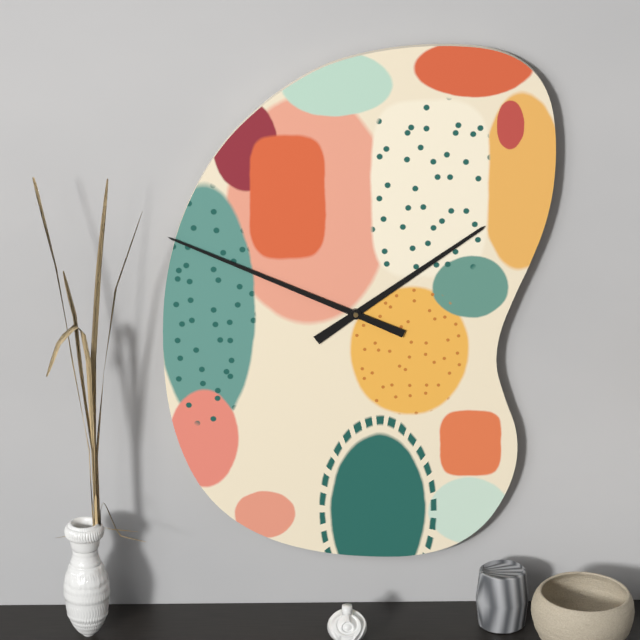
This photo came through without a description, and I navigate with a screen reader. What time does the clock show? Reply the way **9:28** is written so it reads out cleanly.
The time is **1:49**
